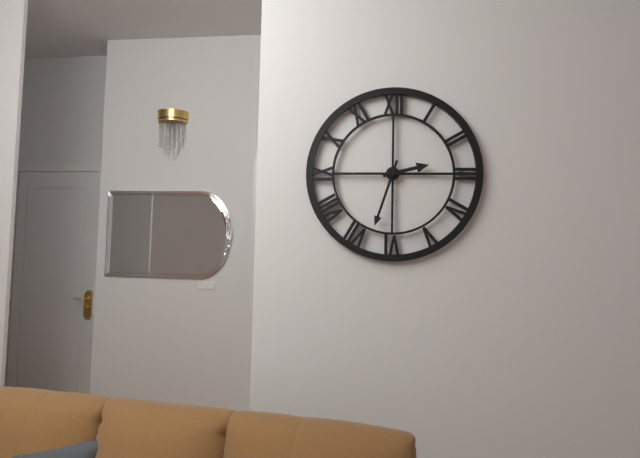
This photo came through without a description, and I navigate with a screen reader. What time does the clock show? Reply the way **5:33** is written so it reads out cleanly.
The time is **2:33**
